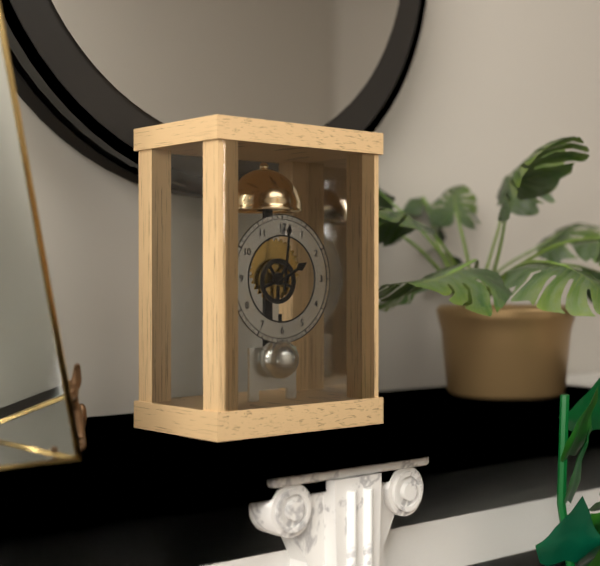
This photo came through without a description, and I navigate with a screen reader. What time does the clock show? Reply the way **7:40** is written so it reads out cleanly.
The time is **2:01**
